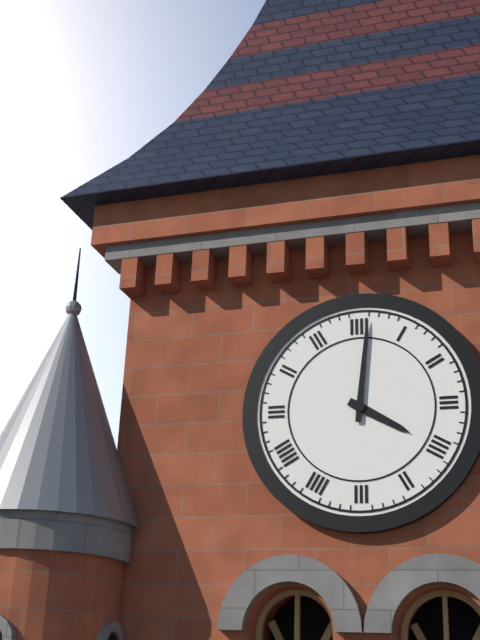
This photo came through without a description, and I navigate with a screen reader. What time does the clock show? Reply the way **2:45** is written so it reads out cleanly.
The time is **4:01**
